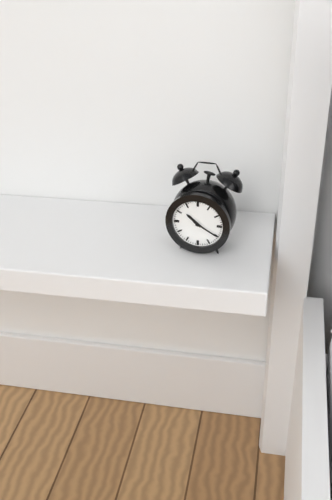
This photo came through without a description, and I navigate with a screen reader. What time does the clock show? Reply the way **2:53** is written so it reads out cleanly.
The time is **10:20**
